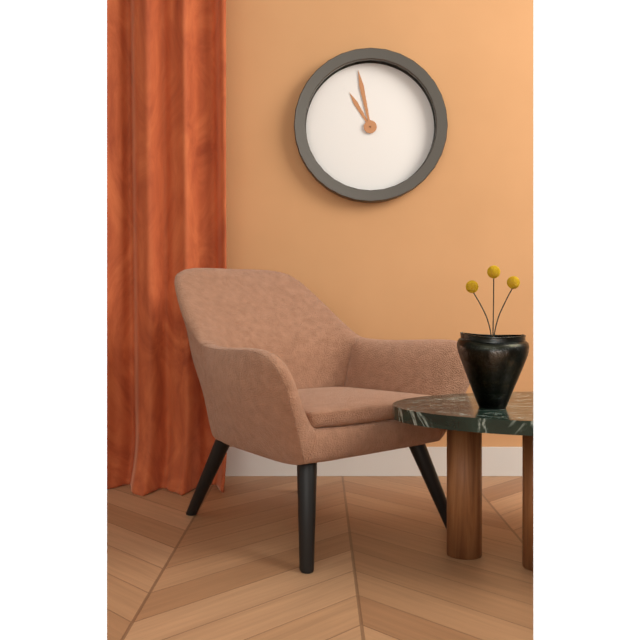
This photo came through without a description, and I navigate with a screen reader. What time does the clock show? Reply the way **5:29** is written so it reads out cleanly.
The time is **10:58**
